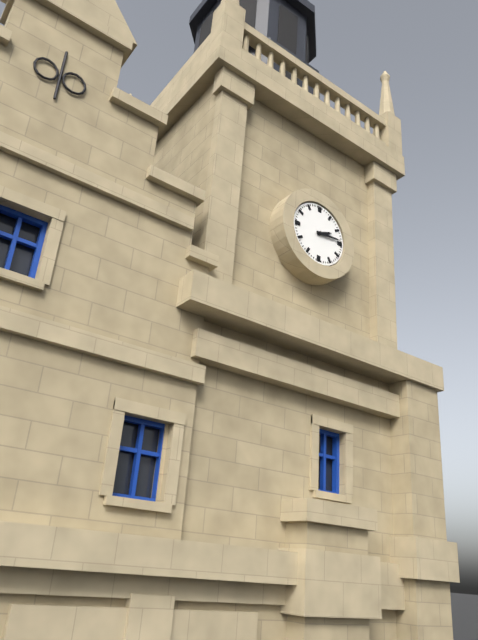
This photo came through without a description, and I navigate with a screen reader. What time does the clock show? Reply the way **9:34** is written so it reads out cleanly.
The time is **2:14**
